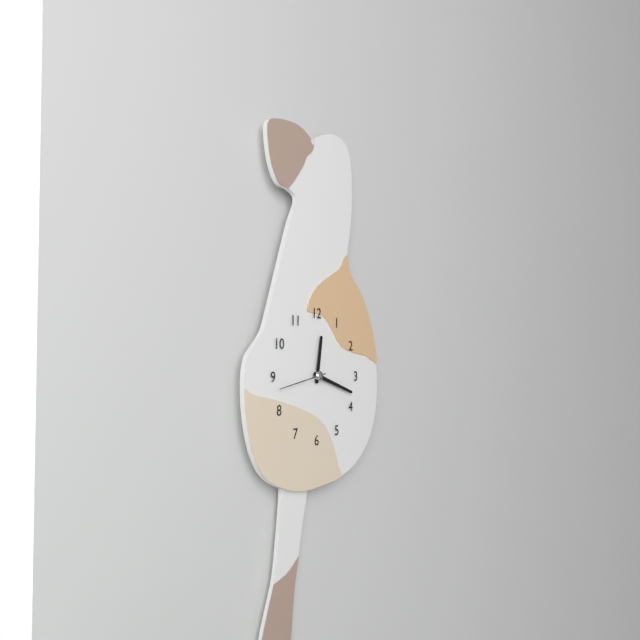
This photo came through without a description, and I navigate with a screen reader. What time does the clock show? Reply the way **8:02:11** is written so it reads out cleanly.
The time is **12:18:43**
